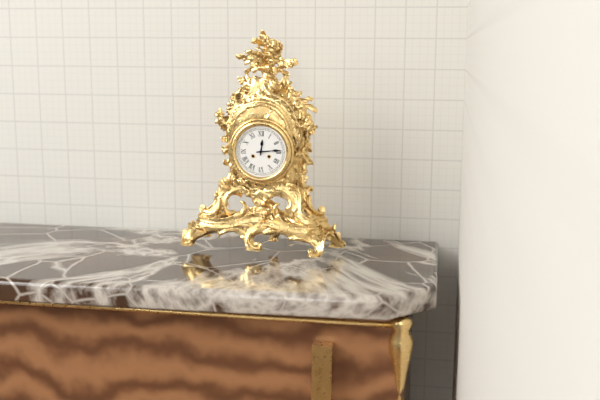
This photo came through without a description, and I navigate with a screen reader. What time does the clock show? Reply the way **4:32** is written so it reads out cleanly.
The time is **12:14**
